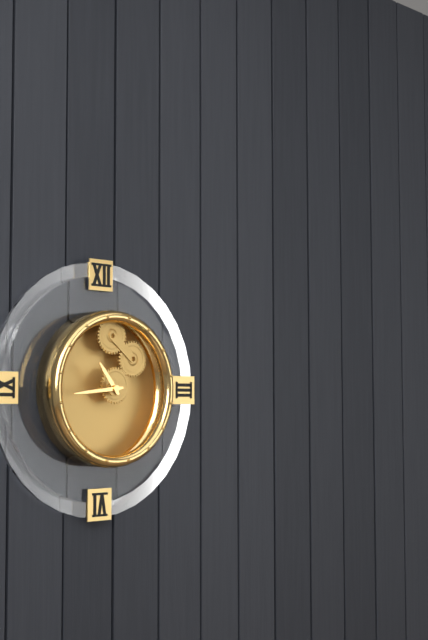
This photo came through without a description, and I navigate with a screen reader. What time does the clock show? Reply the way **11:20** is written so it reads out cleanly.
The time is **10:44**
